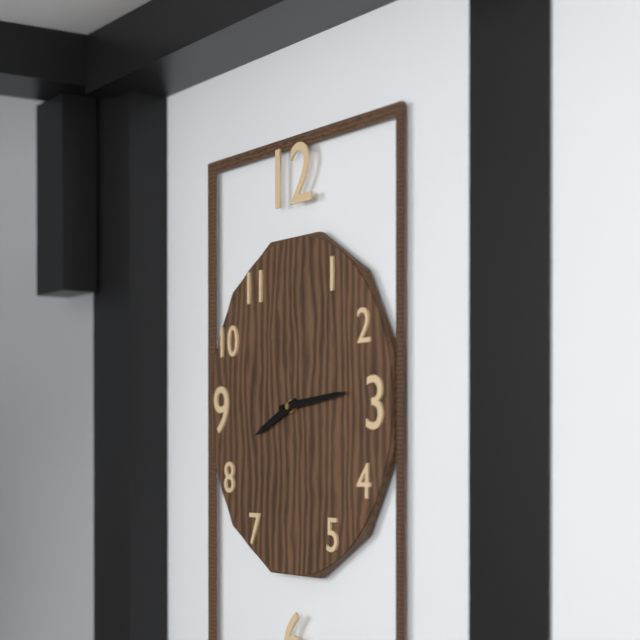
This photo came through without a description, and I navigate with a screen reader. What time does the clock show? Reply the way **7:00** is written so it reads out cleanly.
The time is **8:14**
